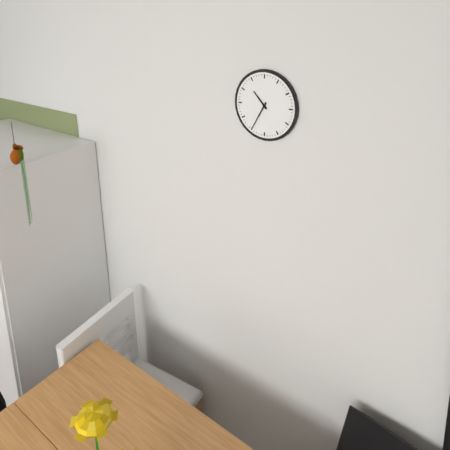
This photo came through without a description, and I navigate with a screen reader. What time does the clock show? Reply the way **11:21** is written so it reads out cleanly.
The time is **10:35**
